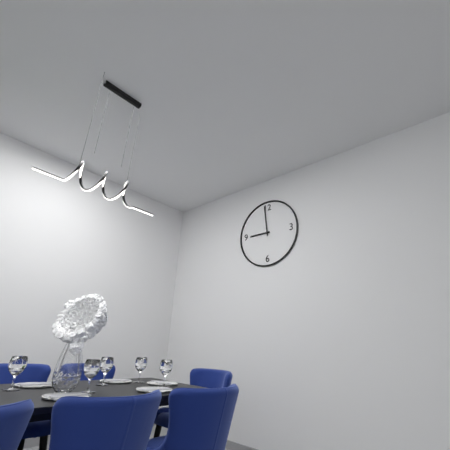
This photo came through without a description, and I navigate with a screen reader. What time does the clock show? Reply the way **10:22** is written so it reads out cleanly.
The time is **8:59**
